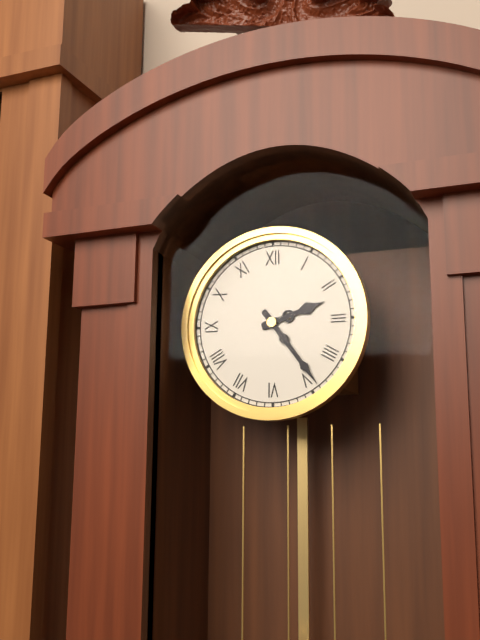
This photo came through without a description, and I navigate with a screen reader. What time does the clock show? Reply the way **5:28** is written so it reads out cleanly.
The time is **2:24**
